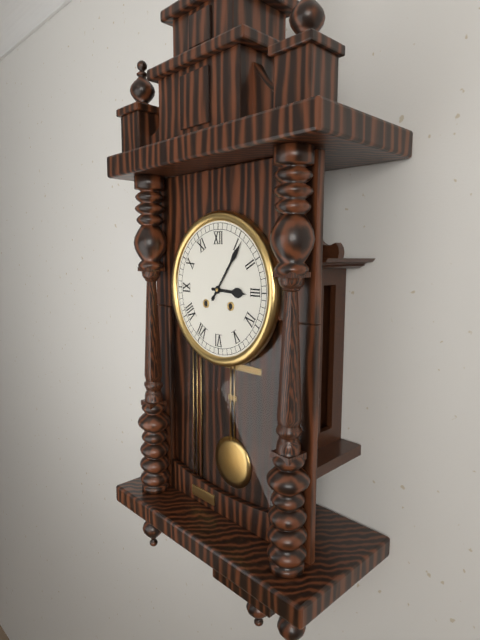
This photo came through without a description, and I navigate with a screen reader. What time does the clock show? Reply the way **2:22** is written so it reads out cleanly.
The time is **3:06**
